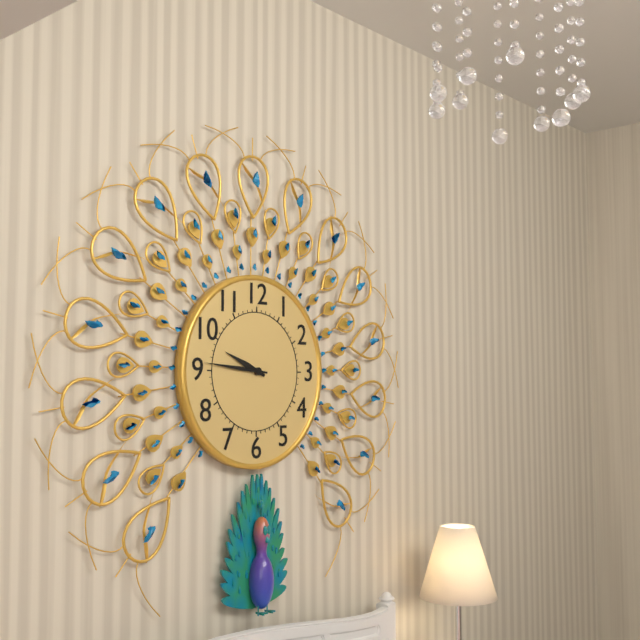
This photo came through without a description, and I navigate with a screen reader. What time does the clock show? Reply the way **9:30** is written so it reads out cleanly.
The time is **9:46**
